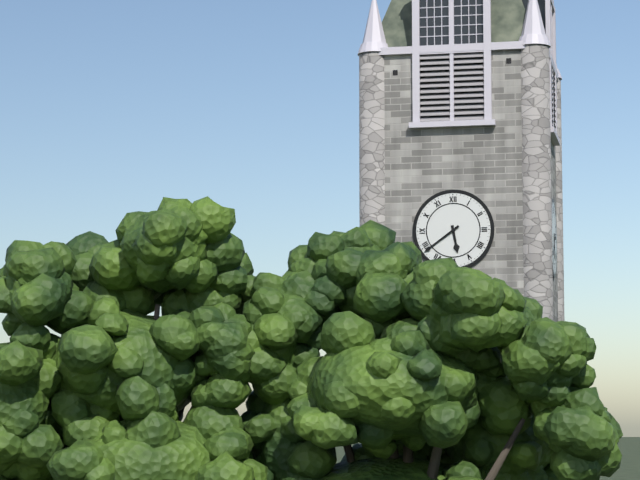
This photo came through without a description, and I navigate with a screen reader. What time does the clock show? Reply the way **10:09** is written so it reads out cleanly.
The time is **5:39**
